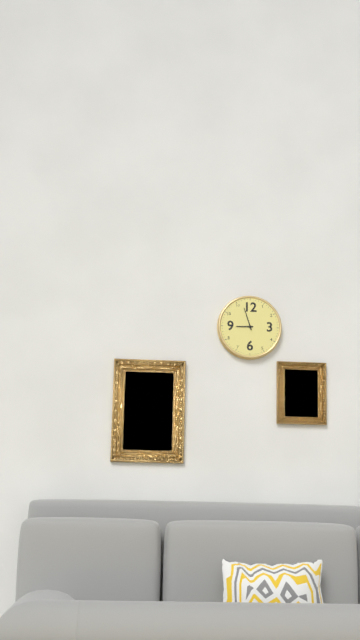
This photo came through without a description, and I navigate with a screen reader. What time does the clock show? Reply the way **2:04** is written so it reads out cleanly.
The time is **8:57**
